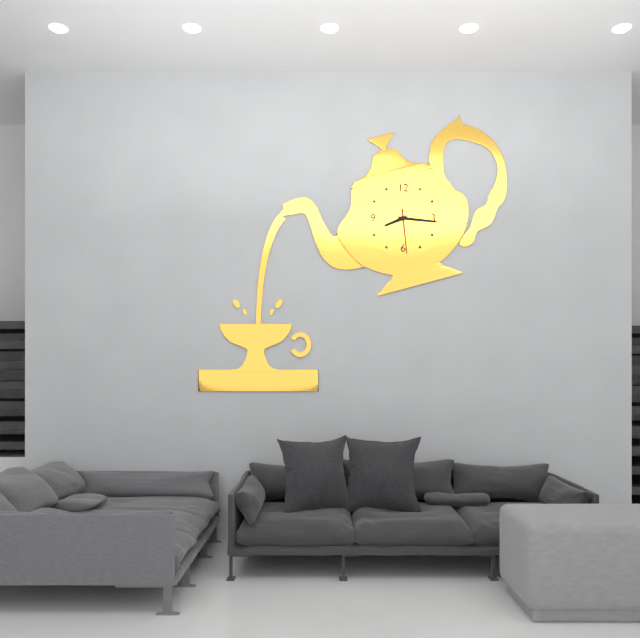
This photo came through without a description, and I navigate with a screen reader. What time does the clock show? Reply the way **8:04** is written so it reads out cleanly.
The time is **8:16**
